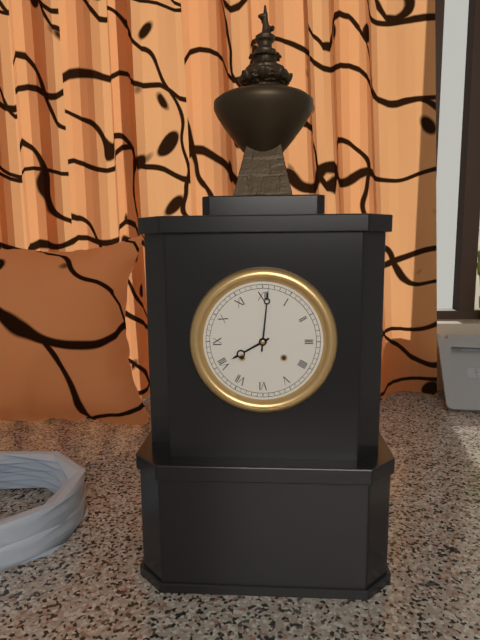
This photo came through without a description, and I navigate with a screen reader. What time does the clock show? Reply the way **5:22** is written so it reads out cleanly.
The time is **8:01**
